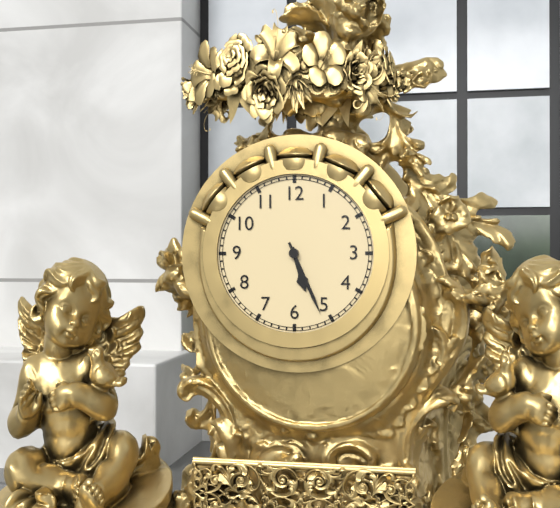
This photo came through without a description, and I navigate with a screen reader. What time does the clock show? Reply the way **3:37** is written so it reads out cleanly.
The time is **5:26**
